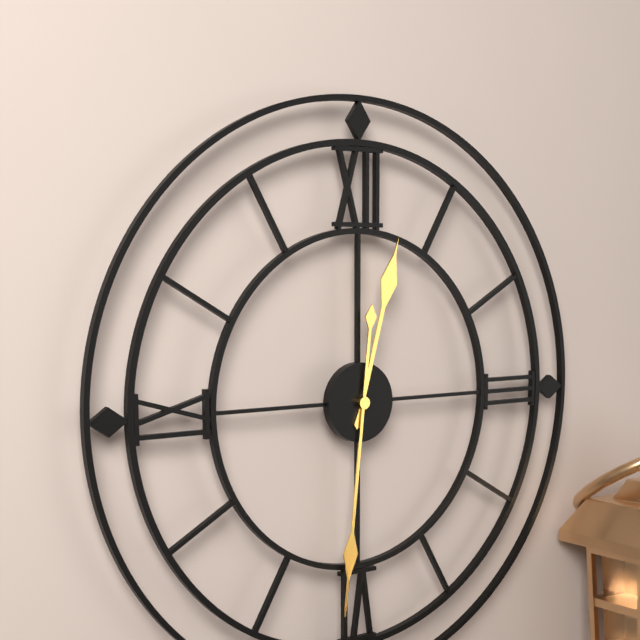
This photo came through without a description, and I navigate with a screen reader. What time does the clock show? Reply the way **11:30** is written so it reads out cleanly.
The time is **12:31**
